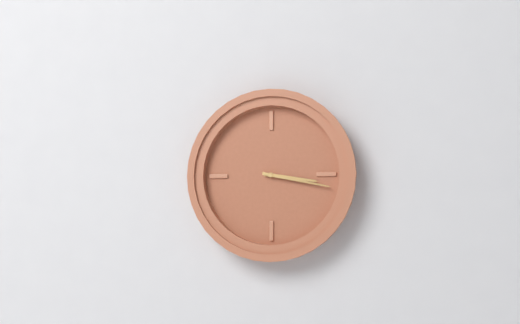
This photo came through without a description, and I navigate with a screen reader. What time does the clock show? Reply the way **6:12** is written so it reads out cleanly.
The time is **3:17**
